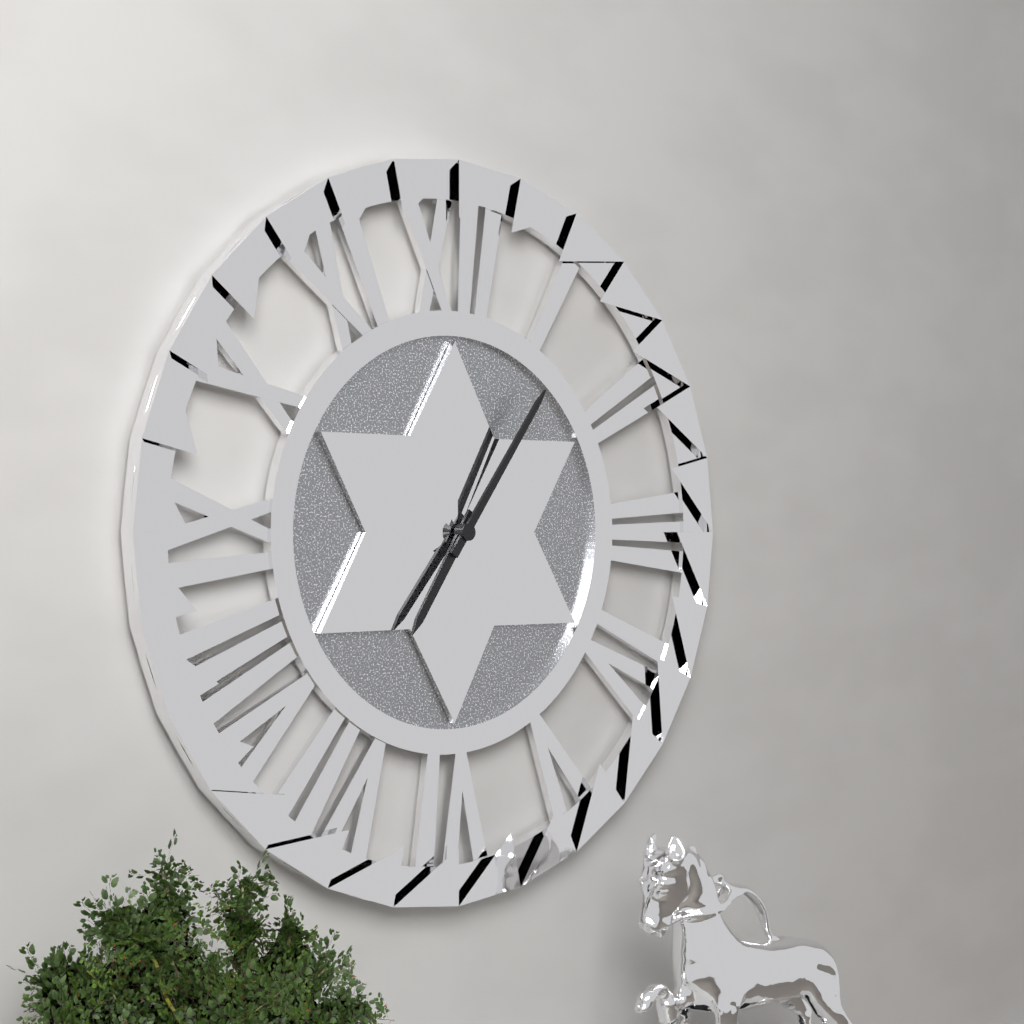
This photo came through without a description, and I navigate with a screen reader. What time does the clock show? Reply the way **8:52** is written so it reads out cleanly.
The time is **7:06**
